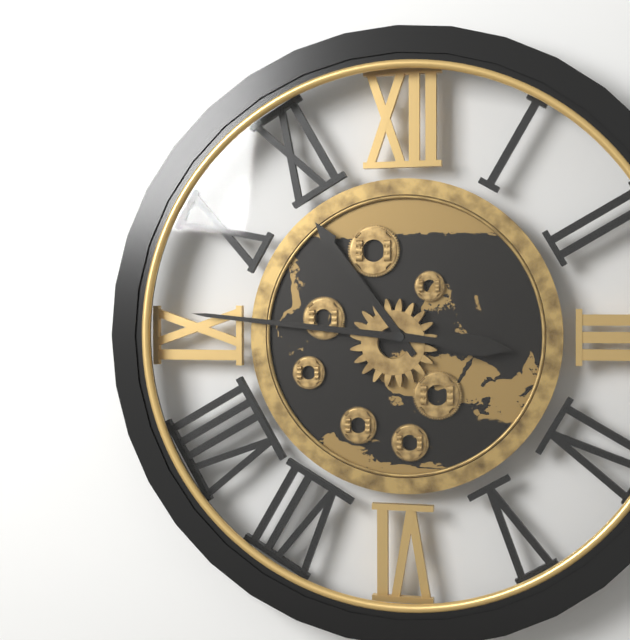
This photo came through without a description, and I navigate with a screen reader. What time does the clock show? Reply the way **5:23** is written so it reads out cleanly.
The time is **10:46**
